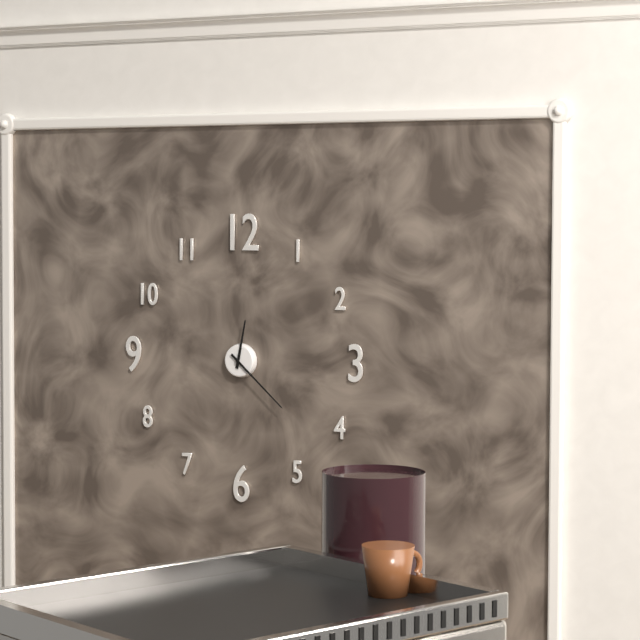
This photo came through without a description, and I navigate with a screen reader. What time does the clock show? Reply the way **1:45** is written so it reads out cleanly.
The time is **12:22**
